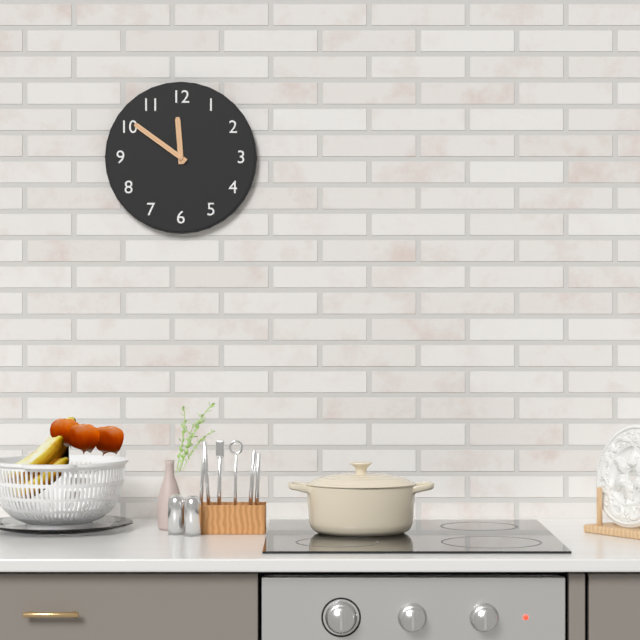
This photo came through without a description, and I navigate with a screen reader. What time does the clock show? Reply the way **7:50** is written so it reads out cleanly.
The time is **11:51**
